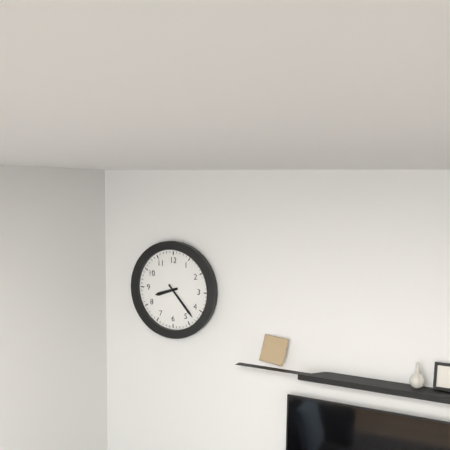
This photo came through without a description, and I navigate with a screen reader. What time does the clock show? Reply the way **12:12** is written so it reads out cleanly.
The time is **8:23**
